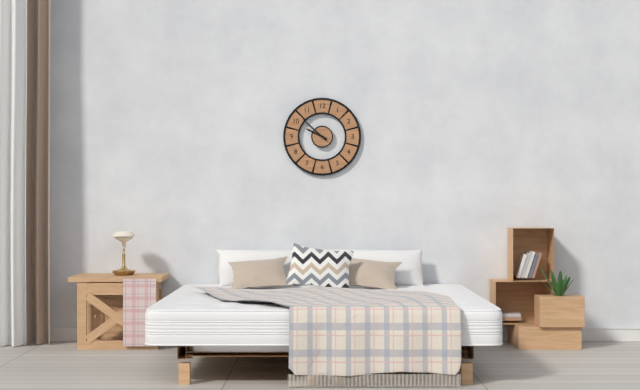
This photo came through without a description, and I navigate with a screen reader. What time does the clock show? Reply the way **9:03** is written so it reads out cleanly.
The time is **9:52**
